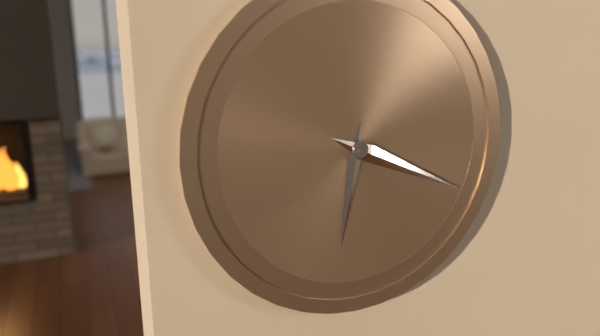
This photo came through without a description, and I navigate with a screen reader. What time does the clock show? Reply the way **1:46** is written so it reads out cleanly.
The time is **6:19**
